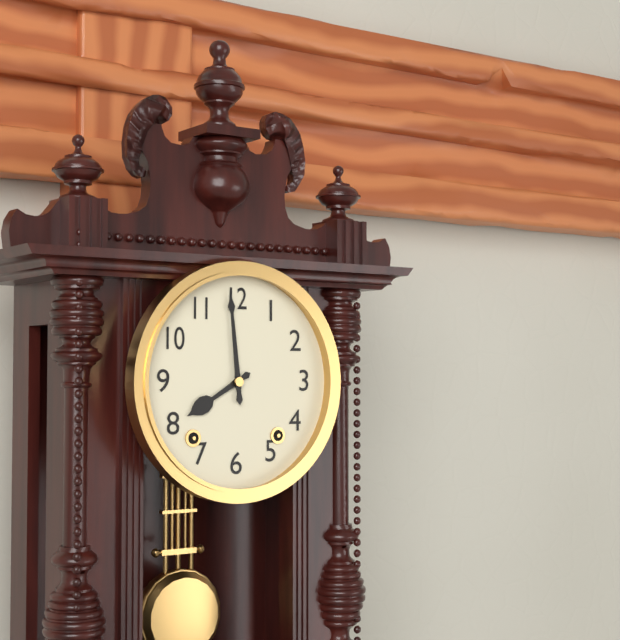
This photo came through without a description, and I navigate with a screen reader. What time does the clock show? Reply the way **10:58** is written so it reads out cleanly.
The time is **7:59**
